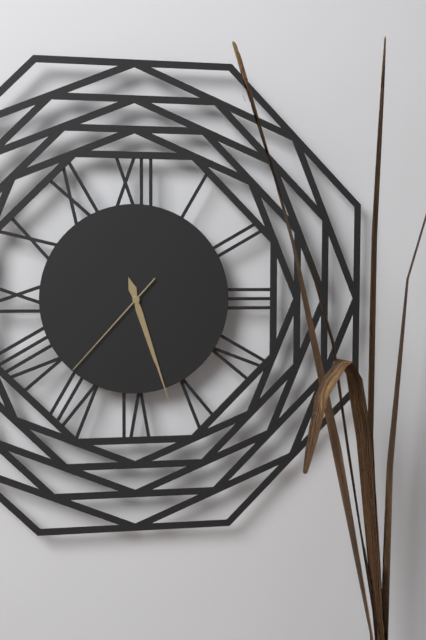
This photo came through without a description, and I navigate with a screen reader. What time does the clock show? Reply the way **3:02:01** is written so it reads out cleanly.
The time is **5:27:37**
